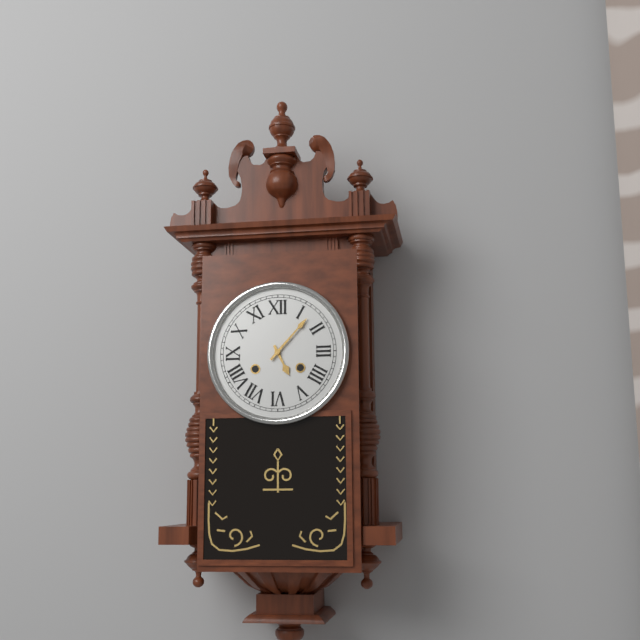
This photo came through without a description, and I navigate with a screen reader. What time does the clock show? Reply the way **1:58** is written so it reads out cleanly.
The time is **5:07**
